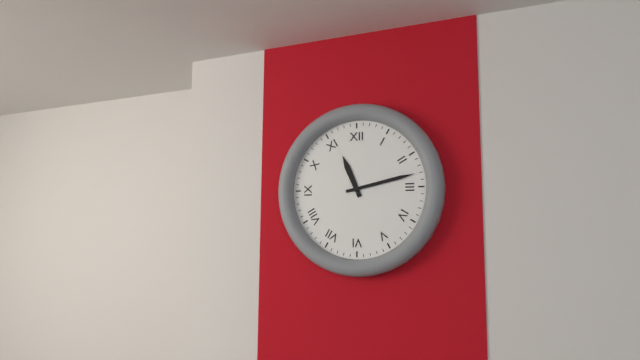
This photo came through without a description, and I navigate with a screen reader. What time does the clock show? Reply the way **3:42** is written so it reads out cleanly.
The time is **11:13**
